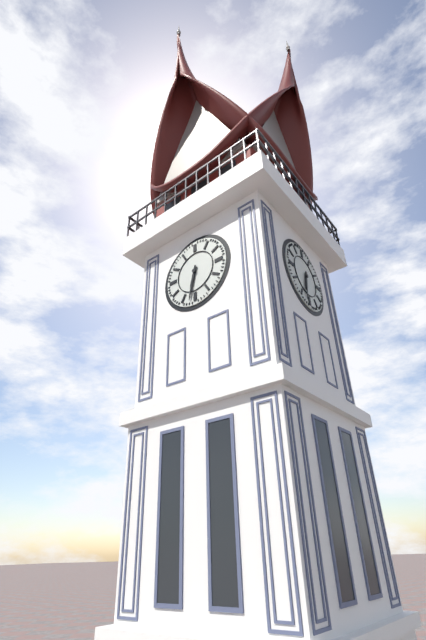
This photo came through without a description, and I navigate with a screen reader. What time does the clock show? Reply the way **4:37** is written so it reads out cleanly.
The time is **6:32**
